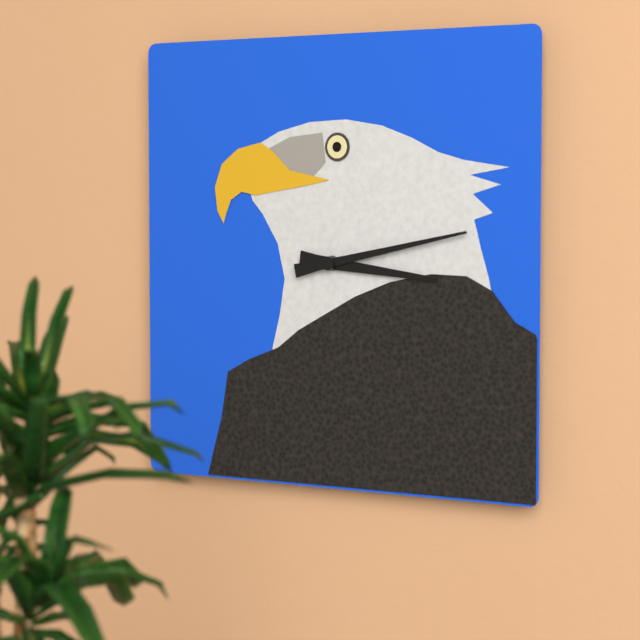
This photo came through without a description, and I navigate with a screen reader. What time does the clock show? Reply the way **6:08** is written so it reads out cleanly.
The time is **3:13**
